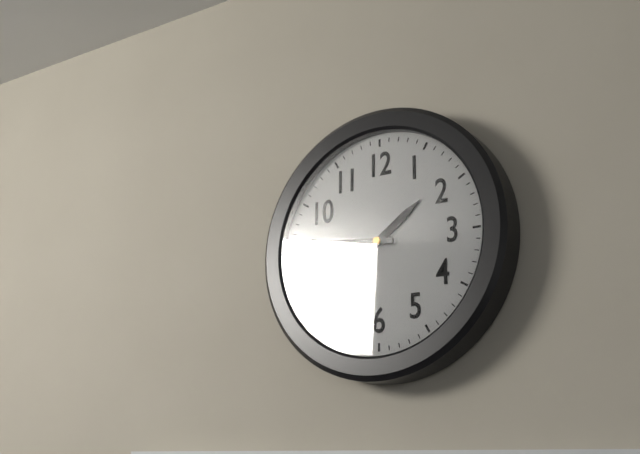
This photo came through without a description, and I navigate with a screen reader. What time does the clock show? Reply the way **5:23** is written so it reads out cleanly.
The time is **1:46**
